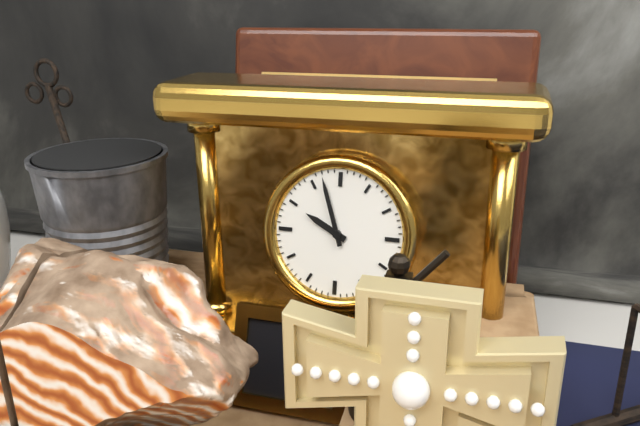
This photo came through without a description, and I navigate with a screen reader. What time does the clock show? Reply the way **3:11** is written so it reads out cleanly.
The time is **9:57**
